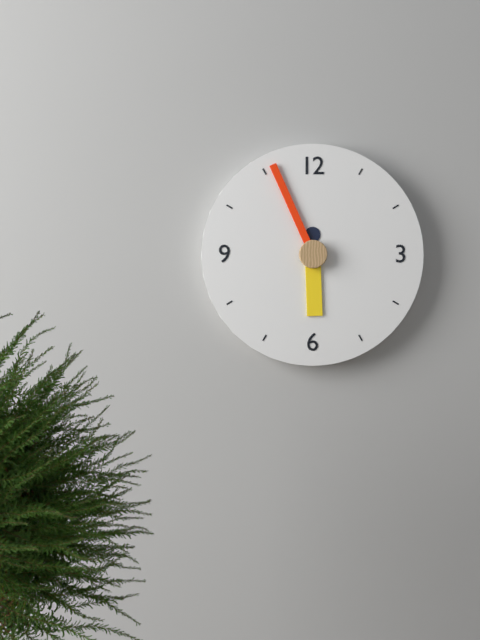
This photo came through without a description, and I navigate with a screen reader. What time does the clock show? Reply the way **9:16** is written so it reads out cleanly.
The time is **5:56**
